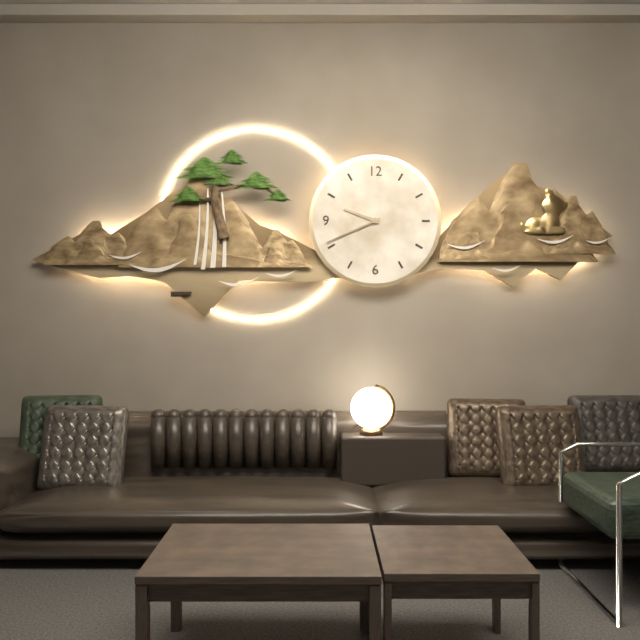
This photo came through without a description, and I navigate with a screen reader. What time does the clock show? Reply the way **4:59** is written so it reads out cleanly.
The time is **9:41**
